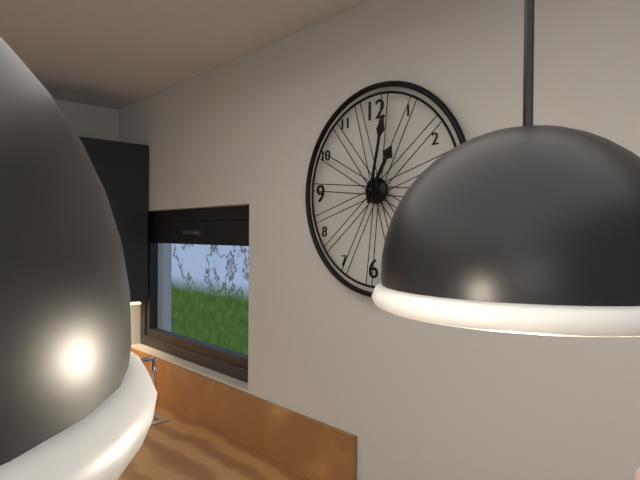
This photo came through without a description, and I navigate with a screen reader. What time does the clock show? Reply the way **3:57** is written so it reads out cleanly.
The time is **1:02**
